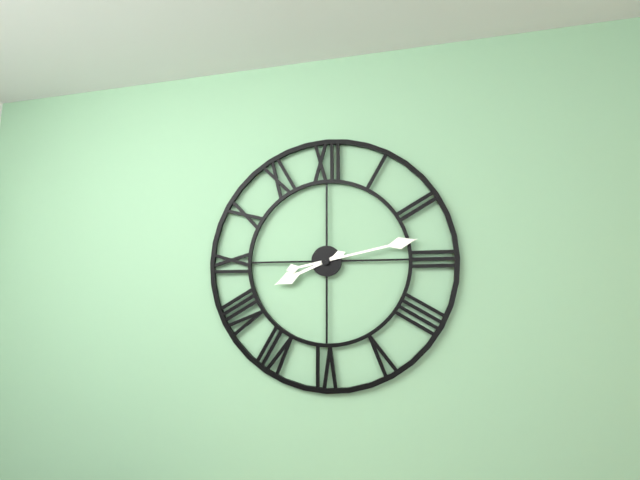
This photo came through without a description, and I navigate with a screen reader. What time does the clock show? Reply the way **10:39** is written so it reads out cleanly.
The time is **8:13**
